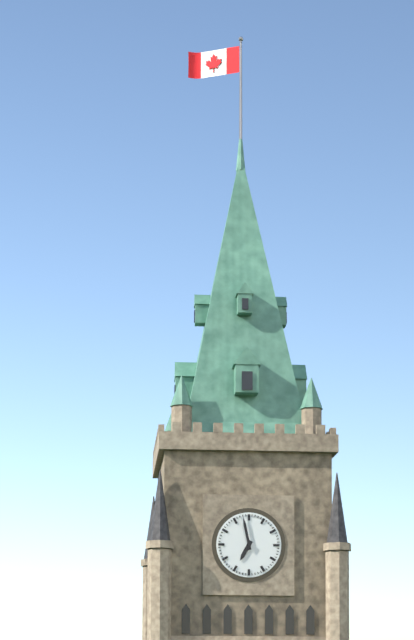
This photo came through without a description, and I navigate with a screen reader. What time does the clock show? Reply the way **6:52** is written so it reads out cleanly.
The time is **6:58**
